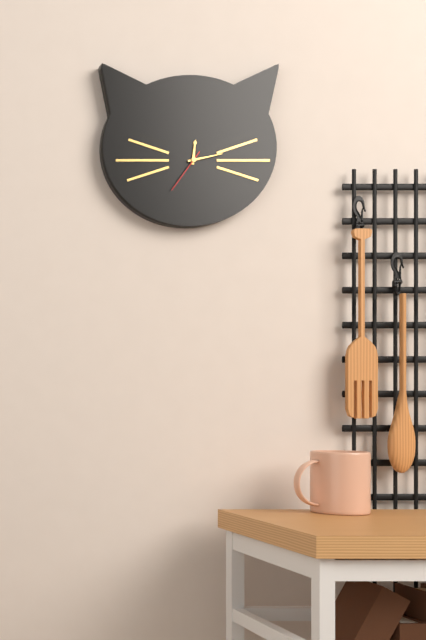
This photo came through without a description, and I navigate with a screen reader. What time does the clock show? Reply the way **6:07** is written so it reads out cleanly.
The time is **12:13**
